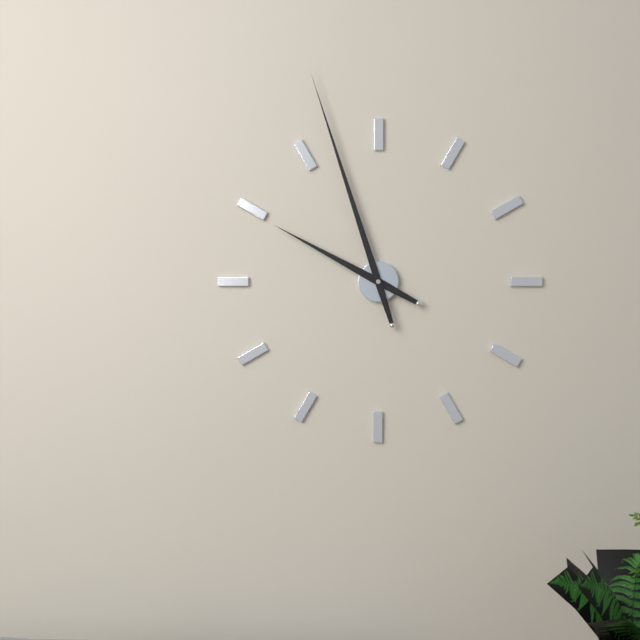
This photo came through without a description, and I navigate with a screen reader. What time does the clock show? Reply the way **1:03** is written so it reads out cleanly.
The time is **9:57**
